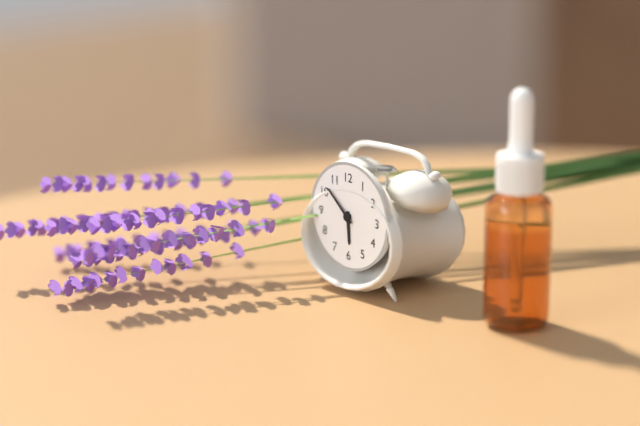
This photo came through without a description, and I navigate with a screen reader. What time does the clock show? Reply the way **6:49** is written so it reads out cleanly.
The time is **5:52**
